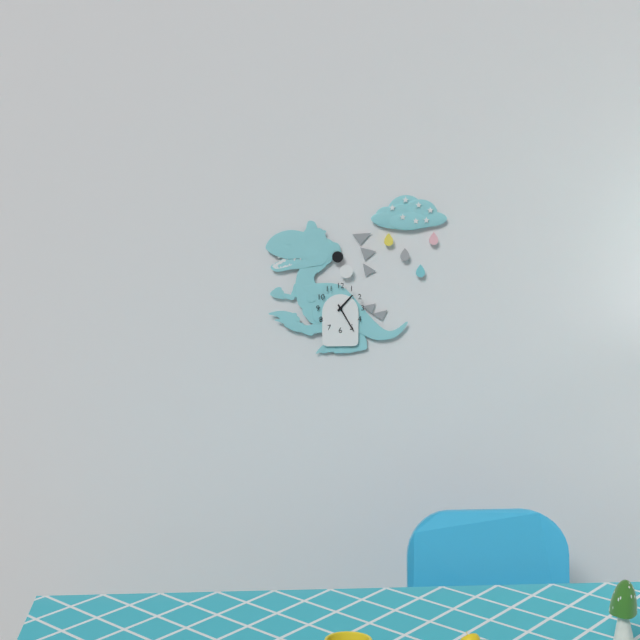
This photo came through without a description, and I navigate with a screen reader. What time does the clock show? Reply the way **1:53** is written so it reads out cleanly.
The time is **1:25**
